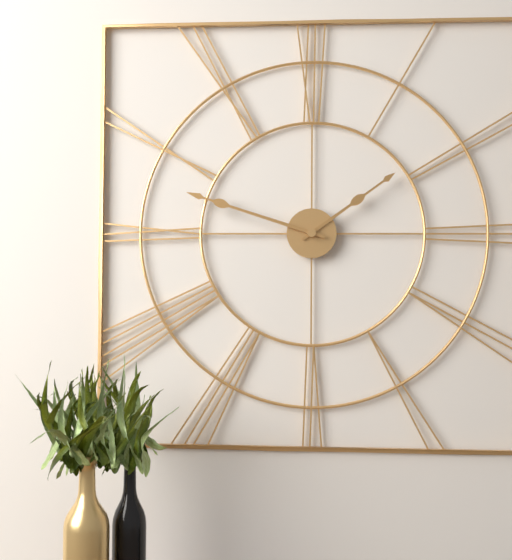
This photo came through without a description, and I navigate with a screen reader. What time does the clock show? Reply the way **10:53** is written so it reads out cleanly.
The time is **1:48**
